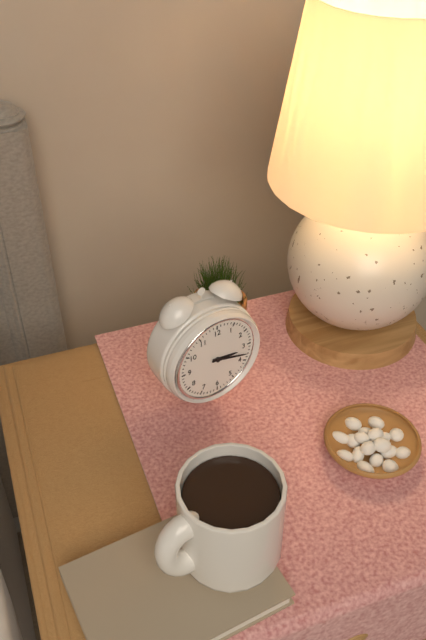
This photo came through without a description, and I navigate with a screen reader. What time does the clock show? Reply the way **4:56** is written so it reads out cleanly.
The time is **3:18**
